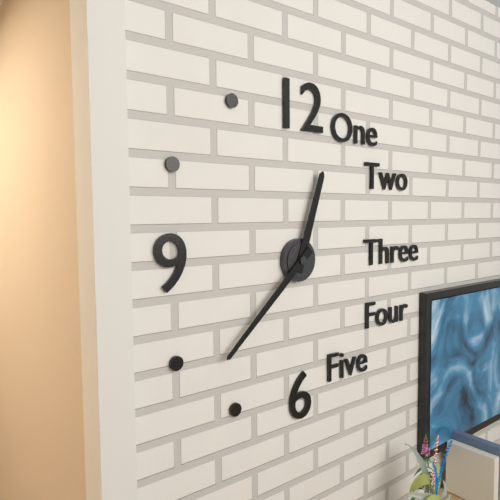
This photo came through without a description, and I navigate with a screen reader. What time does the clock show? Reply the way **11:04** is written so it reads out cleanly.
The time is **12:38**
